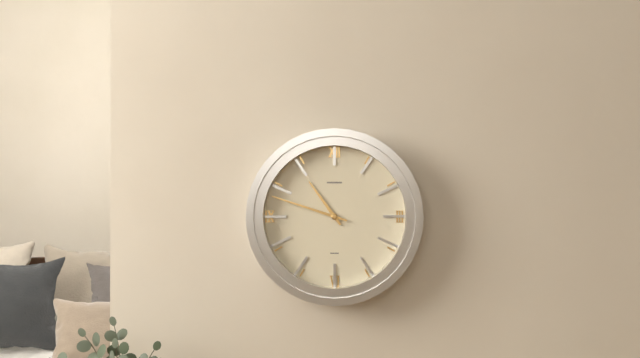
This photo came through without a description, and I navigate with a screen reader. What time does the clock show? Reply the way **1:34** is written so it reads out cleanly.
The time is **10:48**
